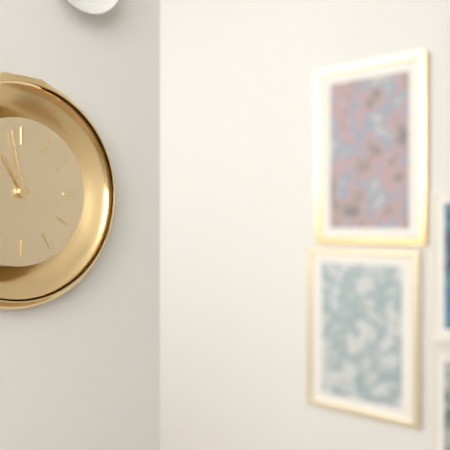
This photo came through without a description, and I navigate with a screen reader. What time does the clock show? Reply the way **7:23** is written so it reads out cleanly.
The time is **10:58**
